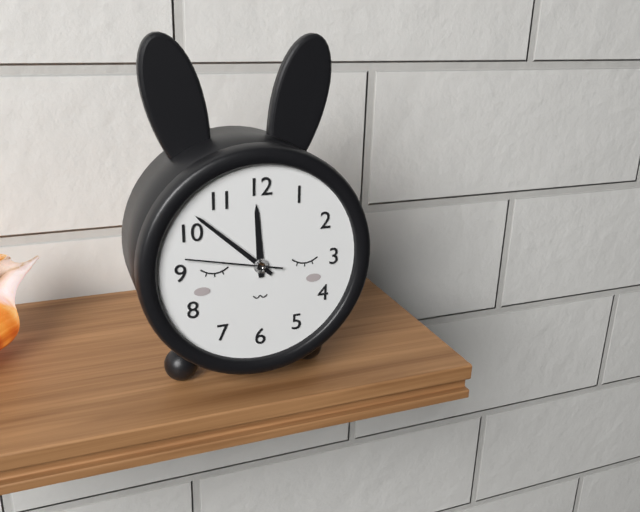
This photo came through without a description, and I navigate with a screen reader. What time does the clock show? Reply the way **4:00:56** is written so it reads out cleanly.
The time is **11:52:47**
